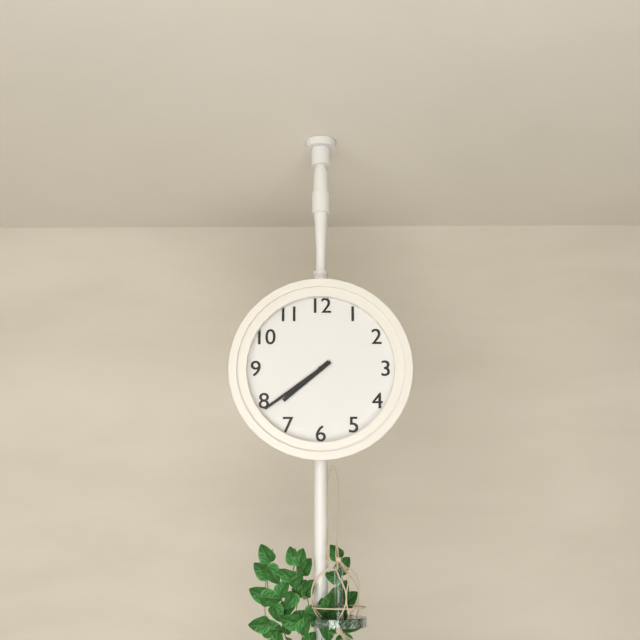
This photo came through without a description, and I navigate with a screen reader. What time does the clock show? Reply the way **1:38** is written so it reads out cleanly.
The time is **7:39**
